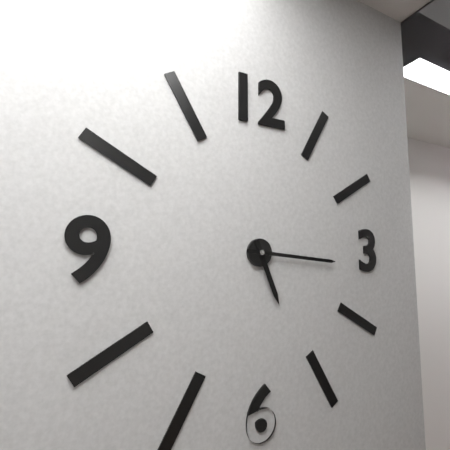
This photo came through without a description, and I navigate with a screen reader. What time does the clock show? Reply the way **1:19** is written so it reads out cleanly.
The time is **5:16**
